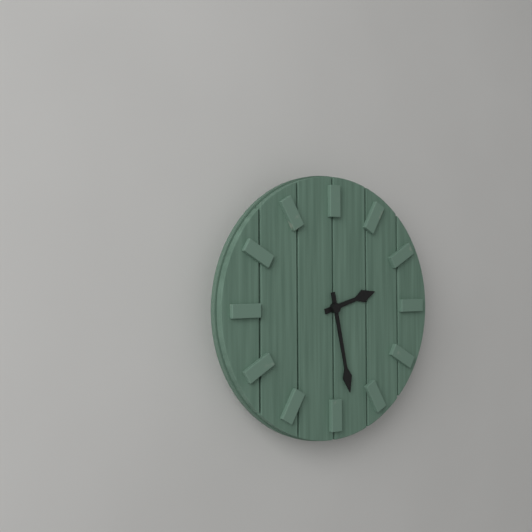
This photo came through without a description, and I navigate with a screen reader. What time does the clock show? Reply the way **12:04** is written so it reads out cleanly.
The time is **2:28**
